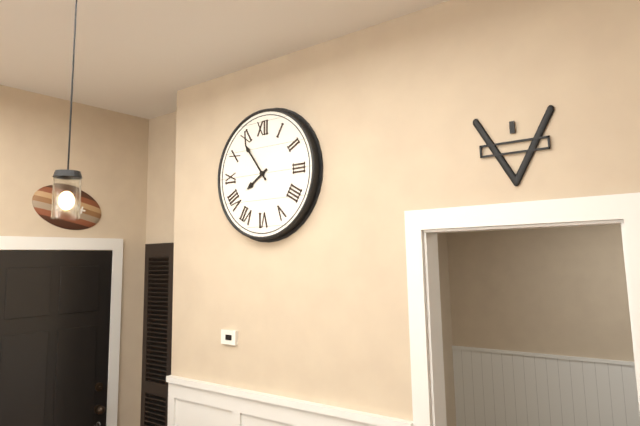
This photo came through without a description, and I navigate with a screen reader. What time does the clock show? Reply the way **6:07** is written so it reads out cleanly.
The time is **7:54**
